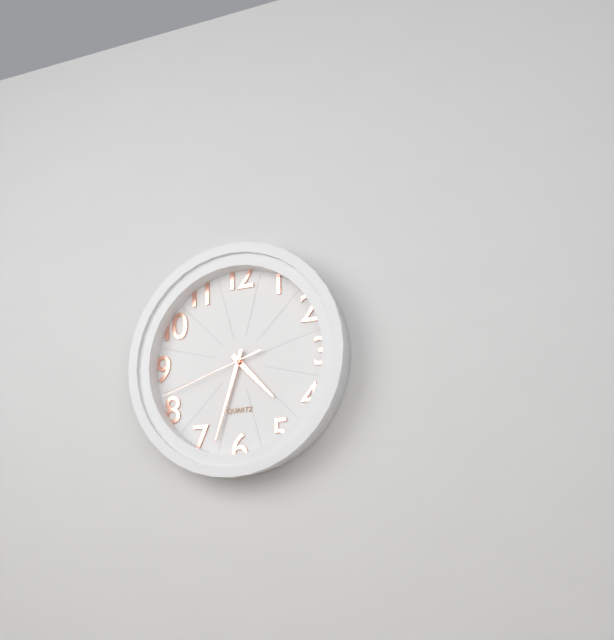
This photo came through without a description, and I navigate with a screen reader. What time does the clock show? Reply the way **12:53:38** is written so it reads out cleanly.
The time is **4:33:42**
